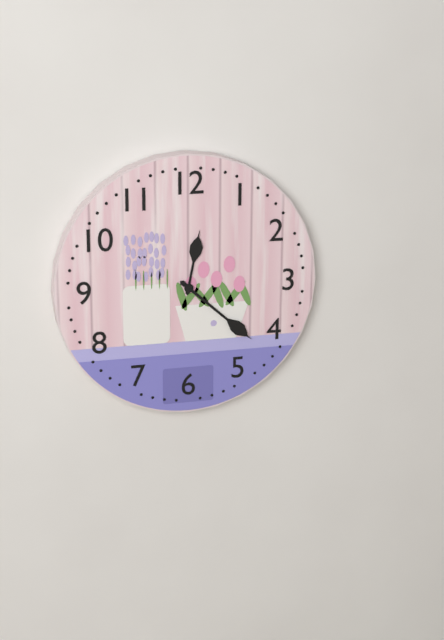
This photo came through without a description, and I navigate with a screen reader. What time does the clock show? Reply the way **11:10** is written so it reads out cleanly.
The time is **12:22**
